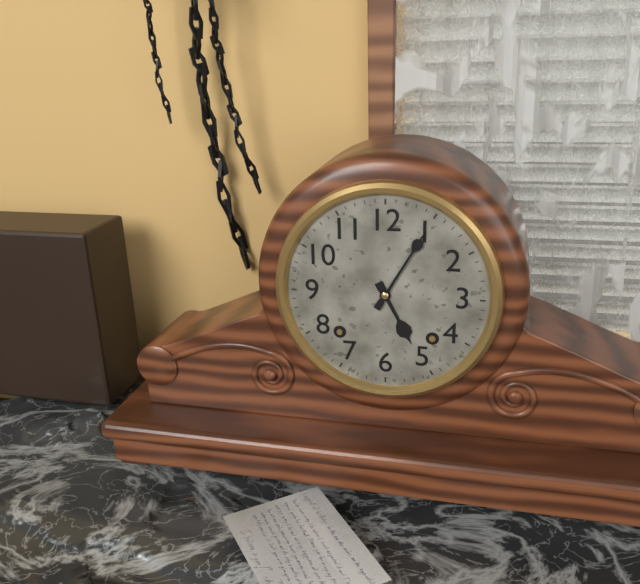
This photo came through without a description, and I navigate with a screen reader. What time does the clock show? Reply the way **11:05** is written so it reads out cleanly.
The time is **5:05**
